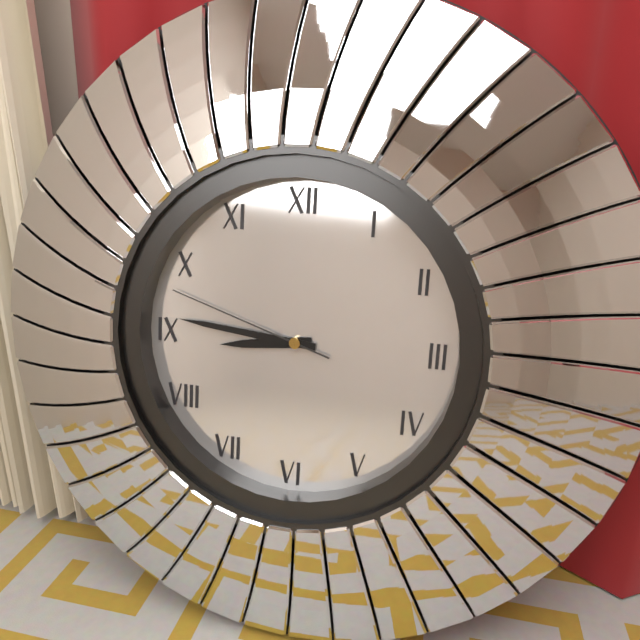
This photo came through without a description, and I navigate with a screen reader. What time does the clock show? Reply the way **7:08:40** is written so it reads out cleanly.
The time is **8:46:48**
